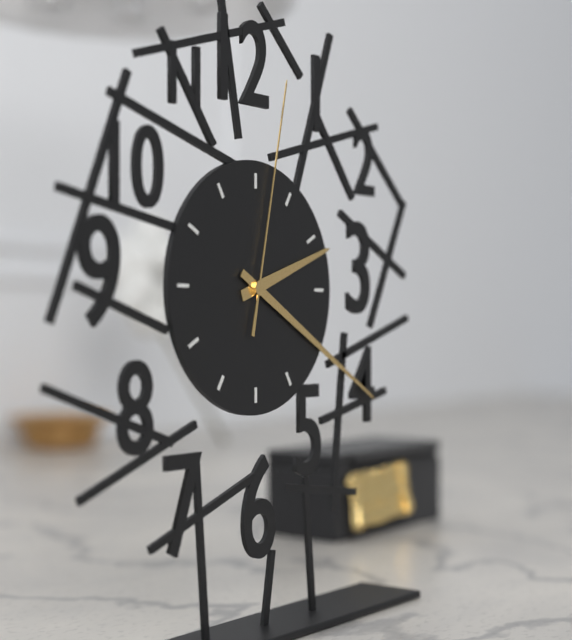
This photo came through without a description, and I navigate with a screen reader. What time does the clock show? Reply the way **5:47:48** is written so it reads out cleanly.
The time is **2:20:02**
